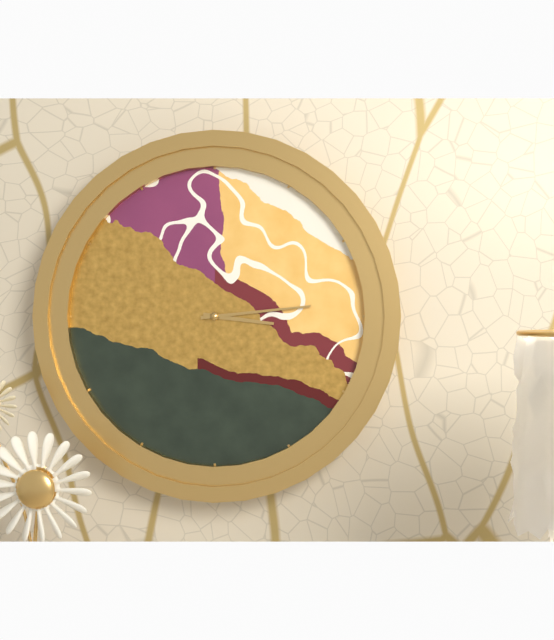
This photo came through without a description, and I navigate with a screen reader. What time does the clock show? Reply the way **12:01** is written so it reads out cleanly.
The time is **3:14**
